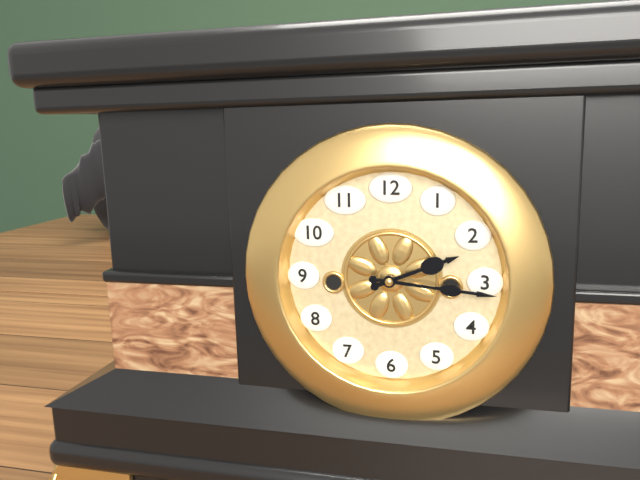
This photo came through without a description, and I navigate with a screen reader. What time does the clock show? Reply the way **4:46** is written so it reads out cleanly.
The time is **2:16**
